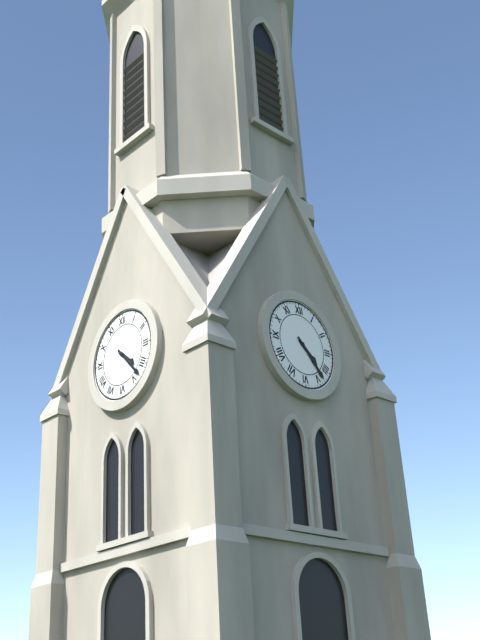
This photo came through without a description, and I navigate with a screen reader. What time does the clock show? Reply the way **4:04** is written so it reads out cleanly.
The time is **4:23**
